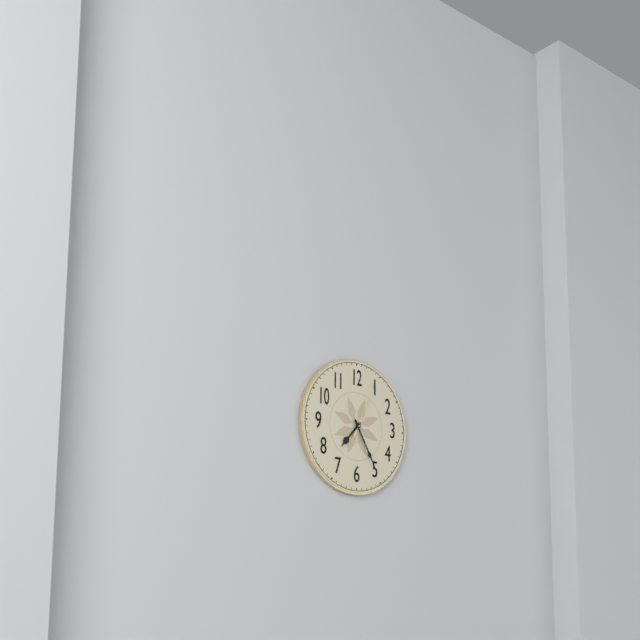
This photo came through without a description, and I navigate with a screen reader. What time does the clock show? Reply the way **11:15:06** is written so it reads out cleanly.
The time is **7:25:04**
